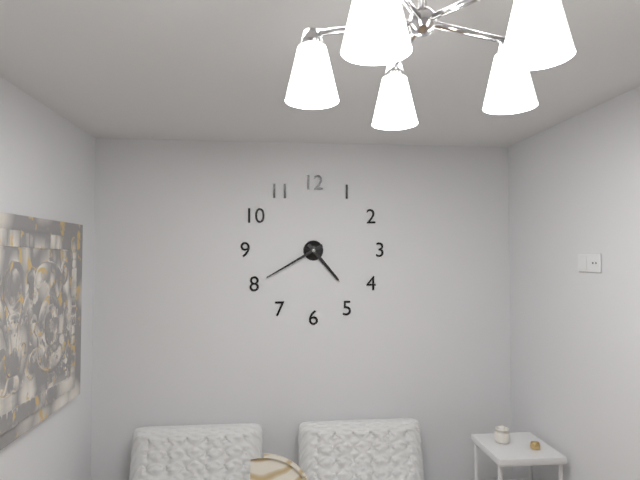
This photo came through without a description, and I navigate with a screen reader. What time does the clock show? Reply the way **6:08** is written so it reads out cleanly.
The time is **4:40**
